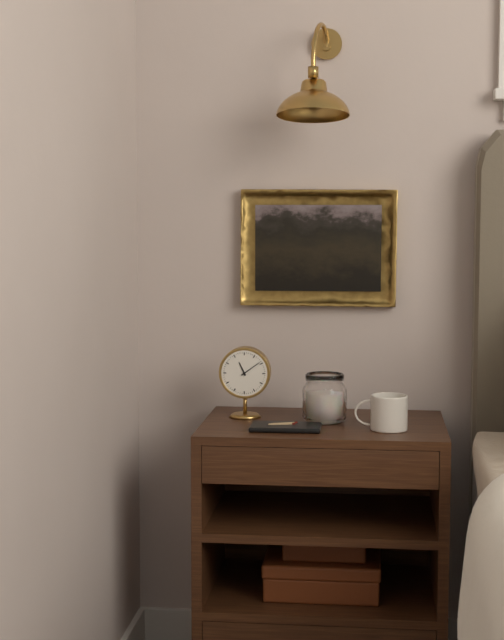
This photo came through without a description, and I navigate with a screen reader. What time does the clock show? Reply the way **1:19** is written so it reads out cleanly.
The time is **11:09**
